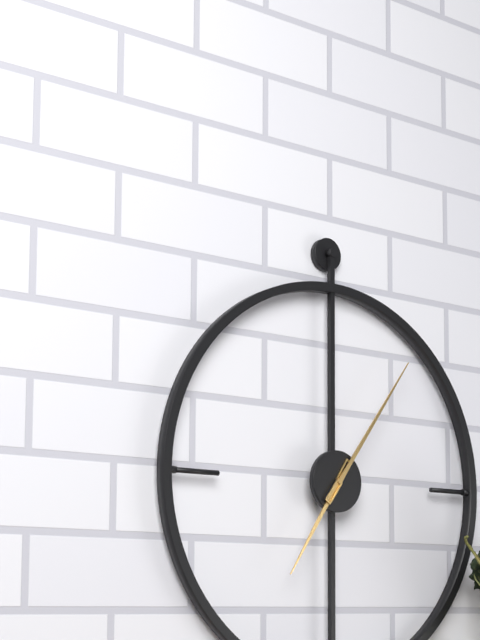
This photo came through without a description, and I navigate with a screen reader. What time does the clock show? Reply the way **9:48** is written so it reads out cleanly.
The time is **7:06**
